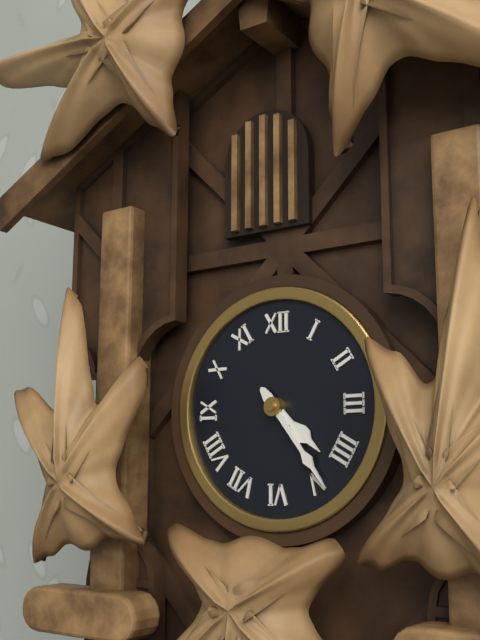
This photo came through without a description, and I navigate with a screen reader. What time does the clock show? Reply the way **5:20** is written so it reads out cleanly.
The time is **4:24**
